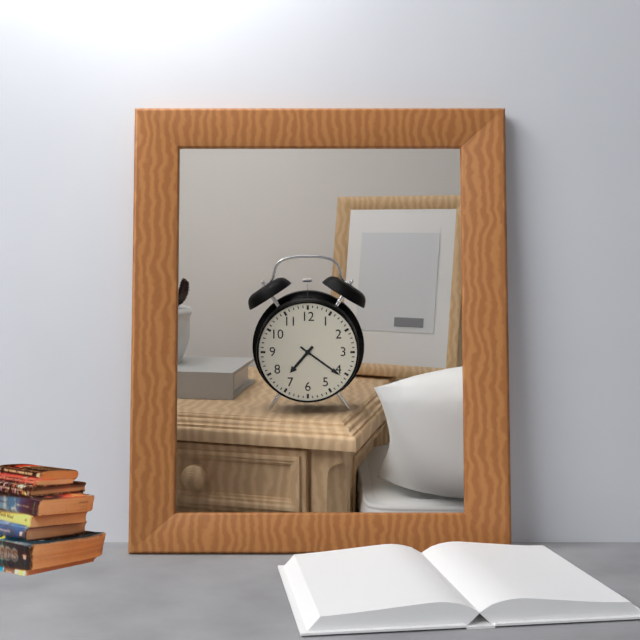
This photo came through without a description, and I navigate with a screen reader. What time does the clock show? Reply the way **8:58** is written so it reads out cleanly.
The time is **7:21**
